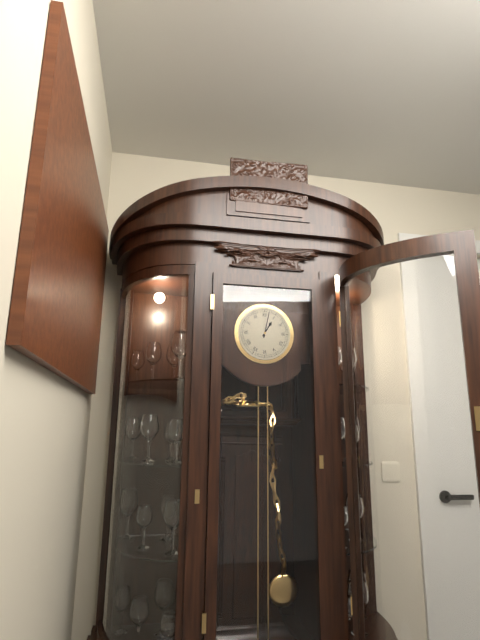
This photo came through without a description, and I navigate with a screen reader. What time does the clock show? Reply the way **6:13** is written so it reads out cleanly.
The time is **1:02**
